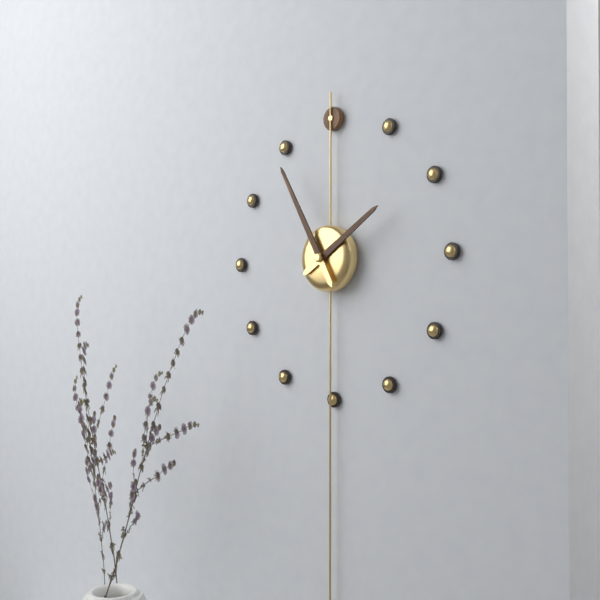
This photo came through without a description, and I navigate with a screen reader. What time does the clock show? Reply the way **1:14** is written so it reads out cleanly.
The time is **1:55**
